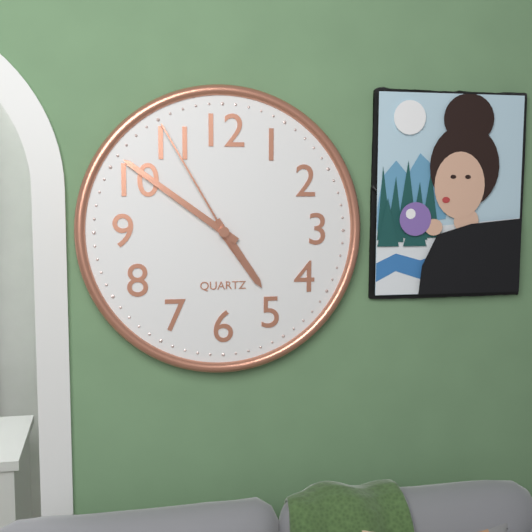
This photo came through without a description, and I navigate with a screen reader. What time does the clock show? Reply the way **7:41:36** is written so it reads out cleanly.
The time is **4:51:55**
